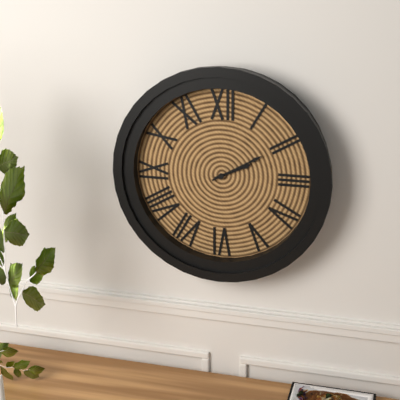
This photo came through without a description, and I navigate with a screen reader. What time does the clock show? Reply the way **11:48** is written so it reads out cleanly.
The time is **2:10**
